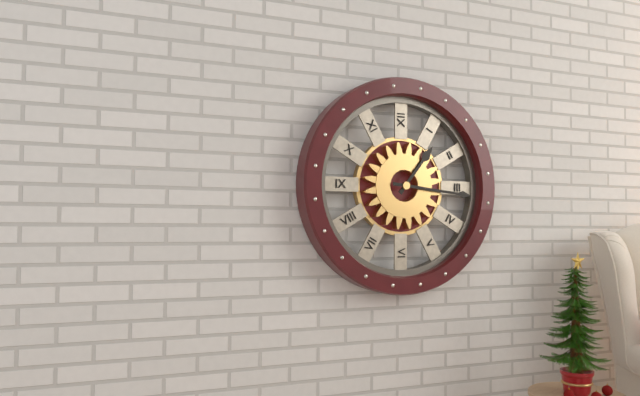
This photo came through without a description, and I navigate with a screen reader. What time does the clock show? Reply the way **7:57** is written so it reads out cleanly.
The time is **1:16**
